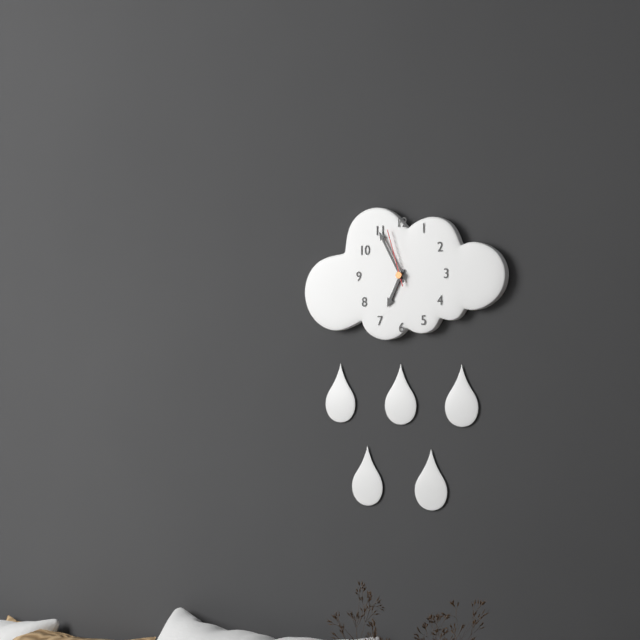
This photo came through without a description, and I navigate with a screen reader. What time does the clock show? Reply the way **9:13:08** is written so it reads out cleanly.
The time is **6:55:57**
